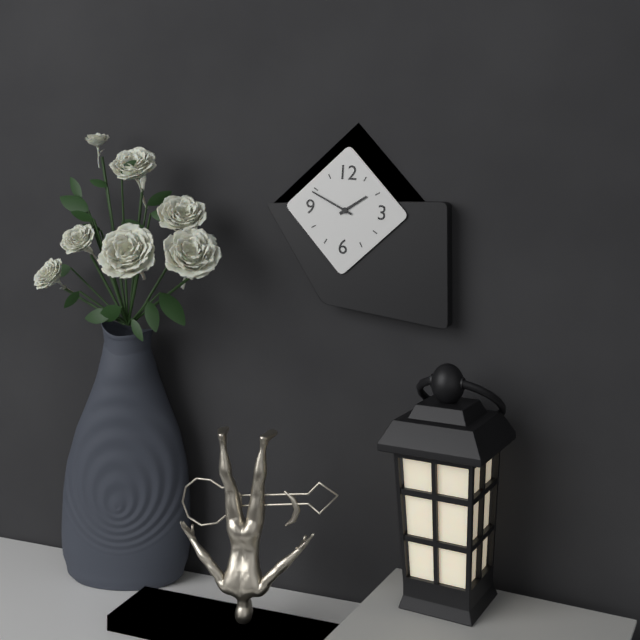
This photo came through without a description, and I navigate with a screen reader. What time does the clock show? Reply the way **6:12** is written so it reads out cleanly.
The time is **1:49**
